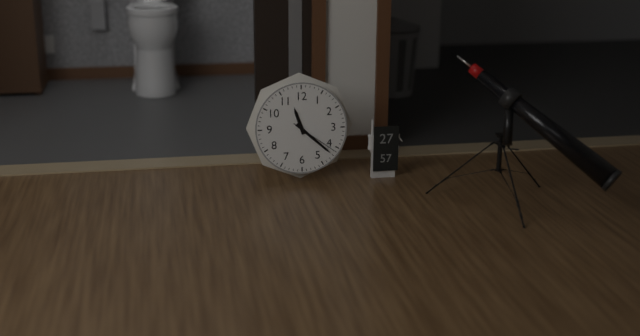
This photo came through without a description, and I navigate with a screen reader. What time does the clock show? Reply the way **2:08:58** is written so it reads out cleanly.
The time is **11:22:21**
